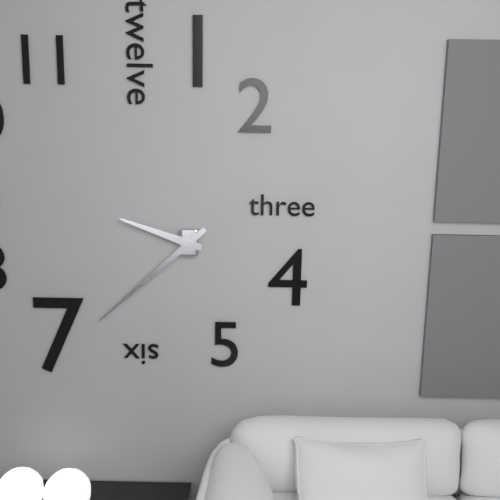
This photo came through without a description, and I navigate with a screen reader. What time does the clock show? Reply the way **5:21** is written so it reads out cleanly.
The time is **9:38**
